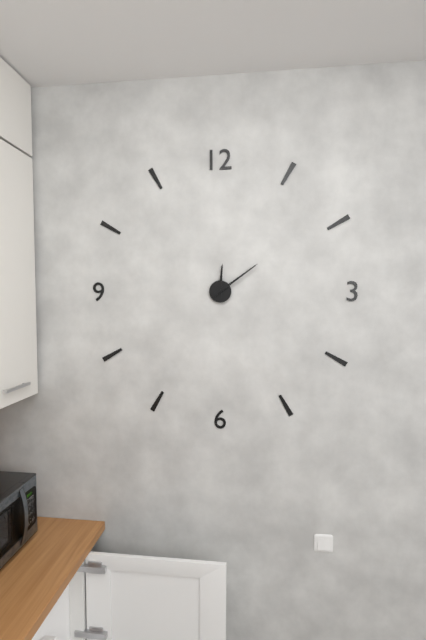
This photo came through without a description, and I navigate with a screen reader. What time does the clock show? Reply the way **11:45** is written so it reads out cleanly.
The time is **12:09**
